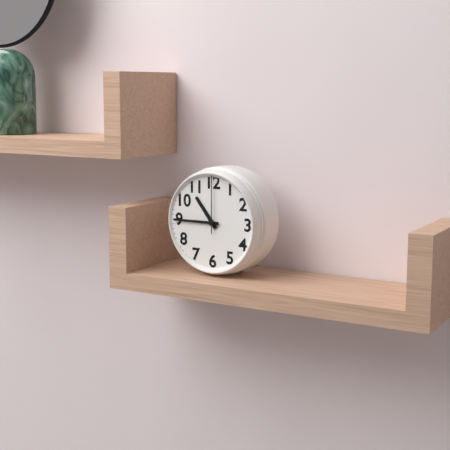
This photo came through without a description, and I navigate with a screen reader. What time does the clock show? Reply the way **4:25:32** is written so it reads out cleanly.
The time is **10:45:00**
